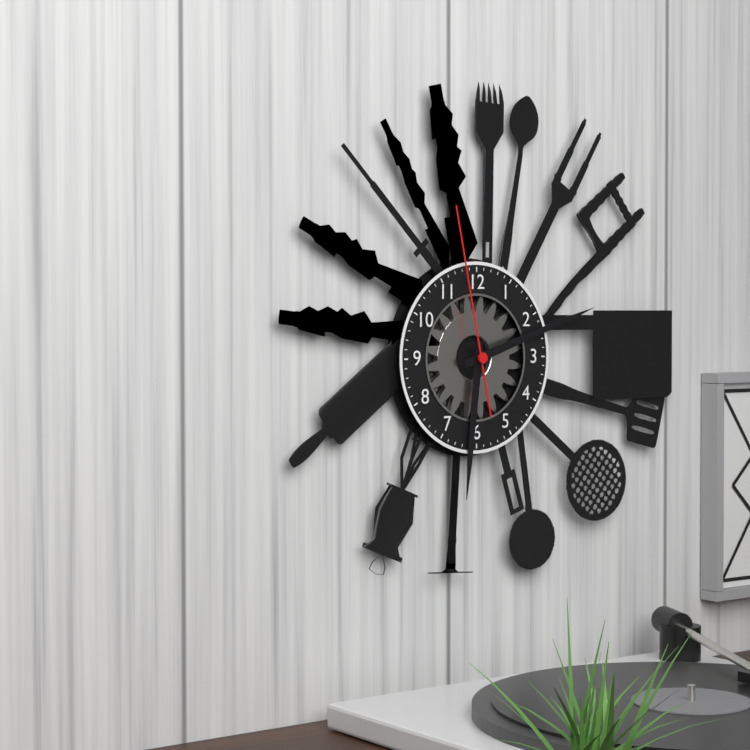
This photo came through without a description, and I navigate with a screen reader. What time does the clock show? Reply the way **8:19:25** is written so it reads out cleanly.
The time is **6:12:58**
